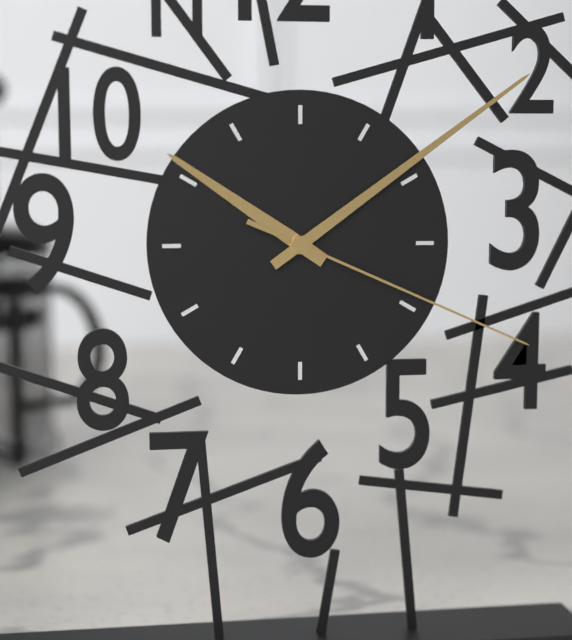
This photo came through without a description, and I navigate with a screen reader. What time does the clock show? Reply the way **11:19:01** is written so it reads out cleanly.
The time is **10:09:19**
